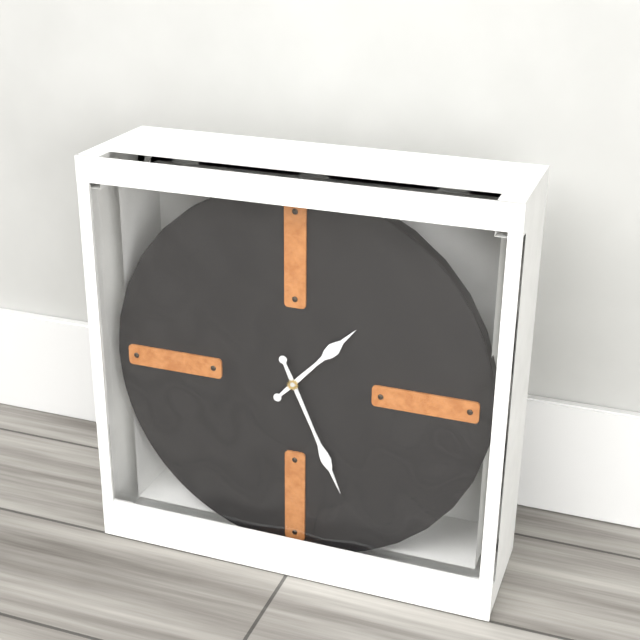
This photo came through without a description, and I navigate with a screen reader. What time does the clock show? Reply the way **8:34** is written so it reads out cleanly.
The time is **1:26**
